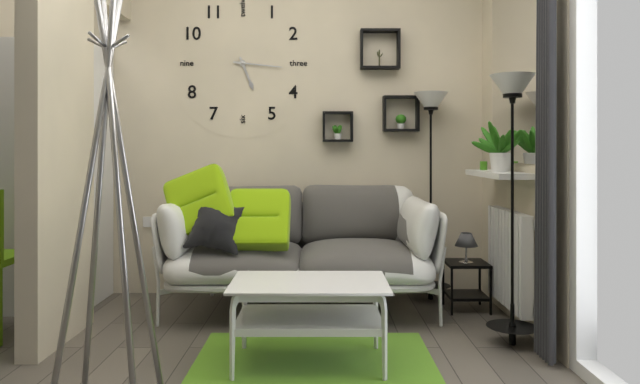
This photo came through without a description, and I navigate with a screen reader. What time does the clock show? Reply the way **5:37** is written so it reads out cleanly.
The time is **5:16**
